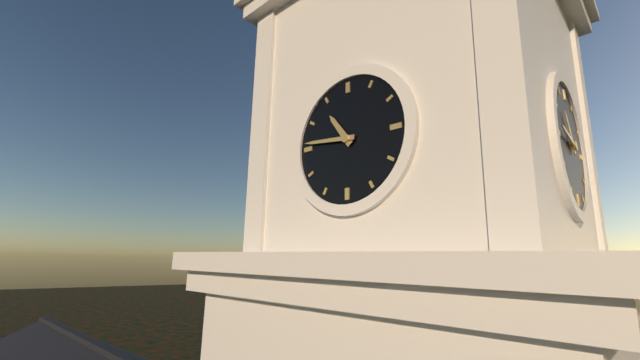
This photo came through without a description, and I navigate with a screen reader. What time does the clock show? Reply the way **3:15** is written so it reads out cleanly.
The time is **10:46**
